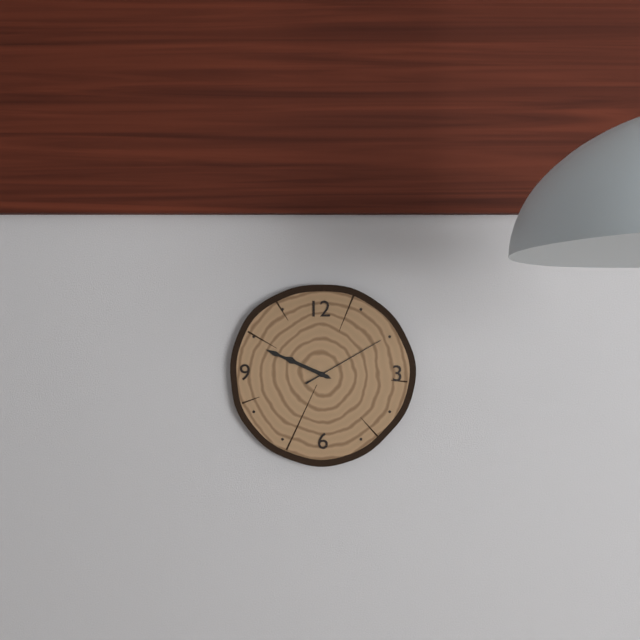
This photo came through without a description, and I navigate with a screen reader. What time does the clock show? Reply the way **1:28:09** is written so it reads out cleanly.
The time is **9:49:10**
